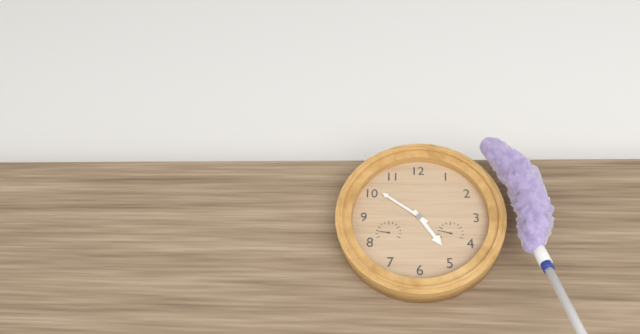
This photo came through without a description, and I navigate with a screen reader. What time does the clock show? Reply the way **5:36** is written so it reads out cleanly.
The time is **4:51**
